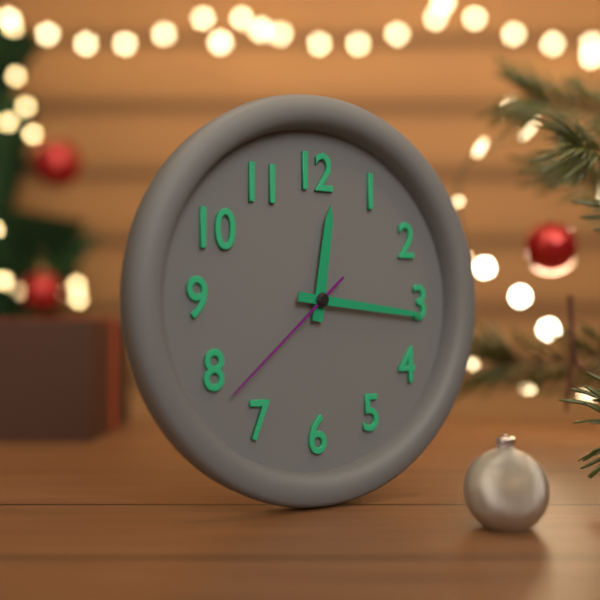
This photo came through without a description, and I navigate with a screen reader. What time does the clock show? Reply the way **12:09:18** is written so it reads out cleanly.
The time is **12:16:38**
